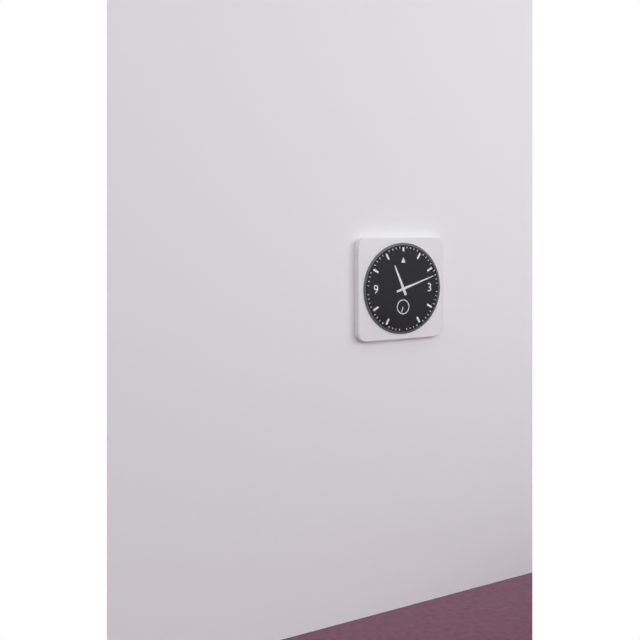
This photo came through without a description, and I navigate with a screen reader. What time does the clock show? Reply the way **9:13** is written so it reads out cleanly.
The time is **11:12**
